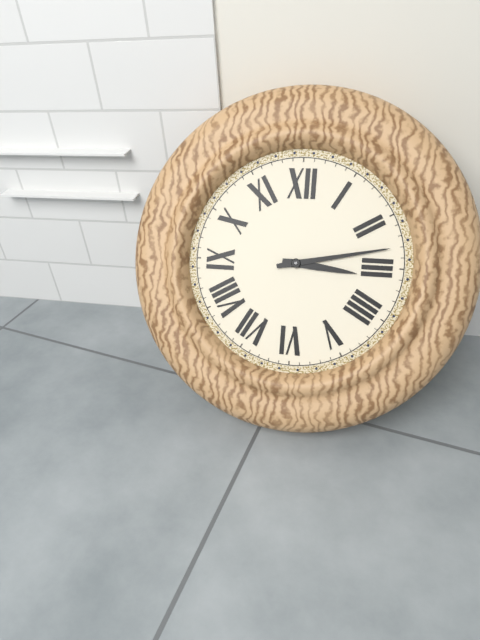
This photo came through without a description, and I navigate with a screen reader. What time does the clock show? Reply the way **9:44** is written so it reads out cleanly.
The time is **3:13**
